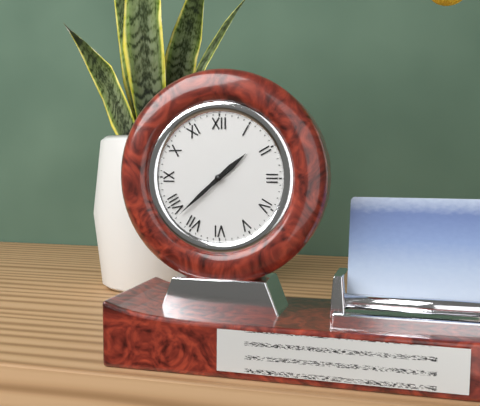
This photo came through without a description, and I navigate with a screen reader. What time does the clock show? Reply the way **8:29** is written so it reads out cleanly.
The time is **1:38**
